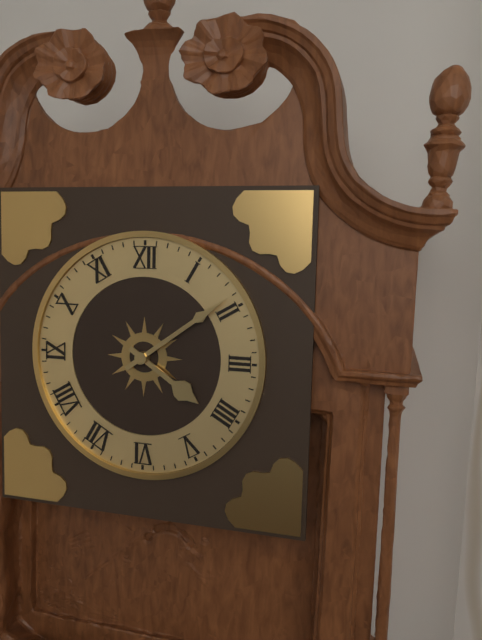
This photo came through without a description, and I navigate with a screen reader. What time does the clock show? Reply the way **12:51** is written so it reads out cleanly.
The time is **4:09**
